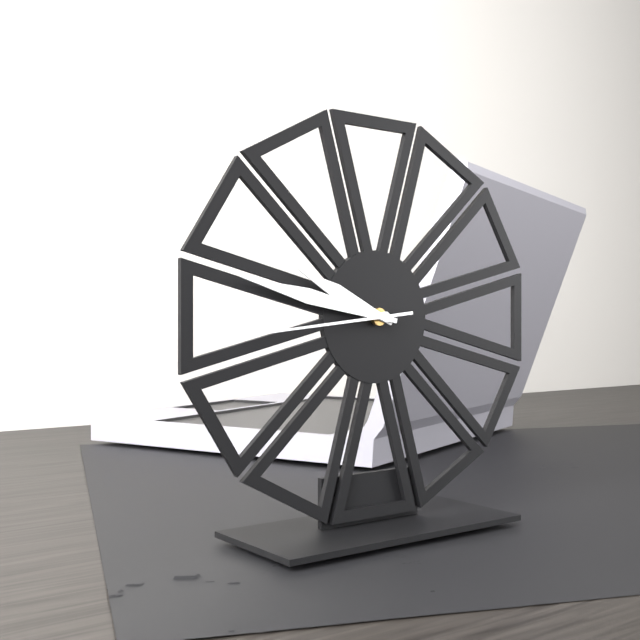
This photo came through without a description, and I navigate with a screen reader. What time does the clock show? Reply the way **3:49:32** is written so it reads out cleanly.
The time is **9:47:44**
